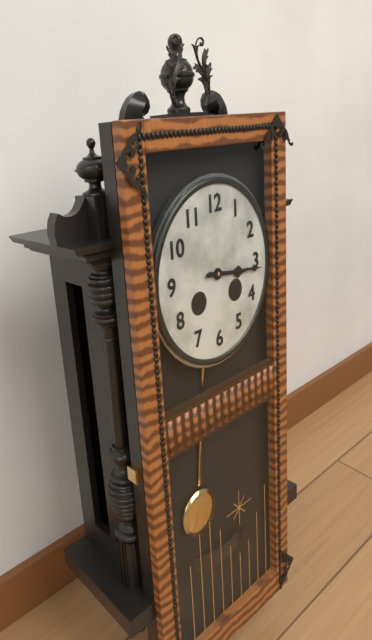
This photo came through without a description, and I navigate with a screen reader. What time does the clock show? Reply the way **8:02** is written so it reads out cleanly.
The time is **3:16**
